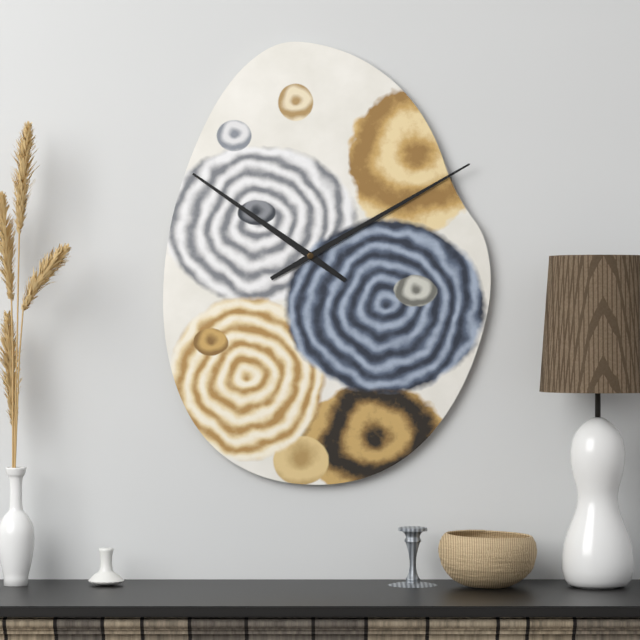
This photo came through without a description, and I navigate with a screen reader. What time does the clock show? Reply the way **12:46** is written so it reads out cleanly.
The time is **10:10**
